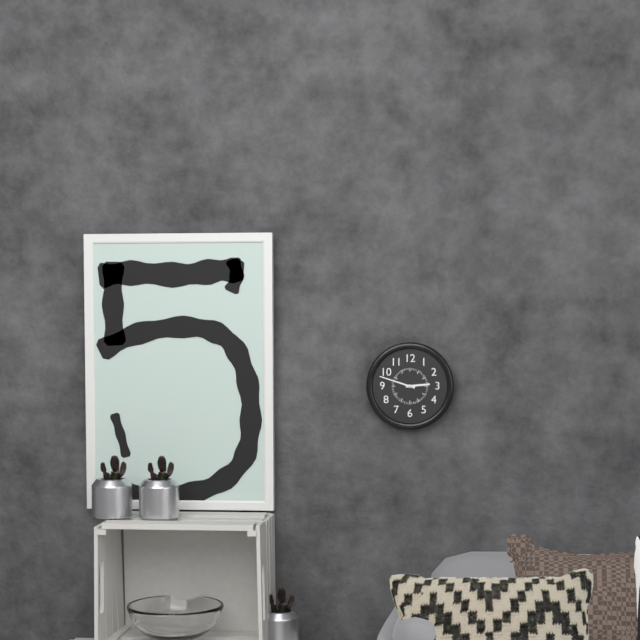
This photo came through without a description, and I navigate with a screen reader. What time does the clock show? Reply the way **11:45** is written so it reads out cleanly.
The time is **2:48**
